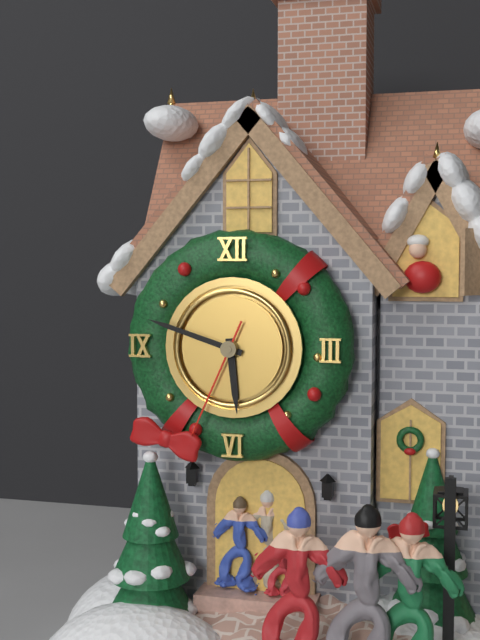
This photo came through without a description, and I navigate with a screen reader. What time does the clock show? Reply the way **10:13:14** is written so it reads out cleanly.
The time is **5:48:34**
